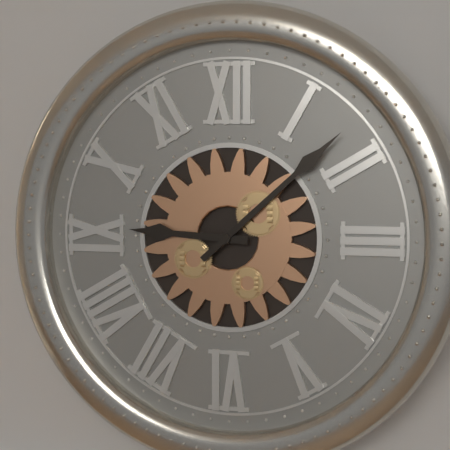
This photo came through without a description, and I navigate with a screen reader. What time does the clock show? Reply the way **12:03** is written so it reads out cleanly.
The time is **9:08**
